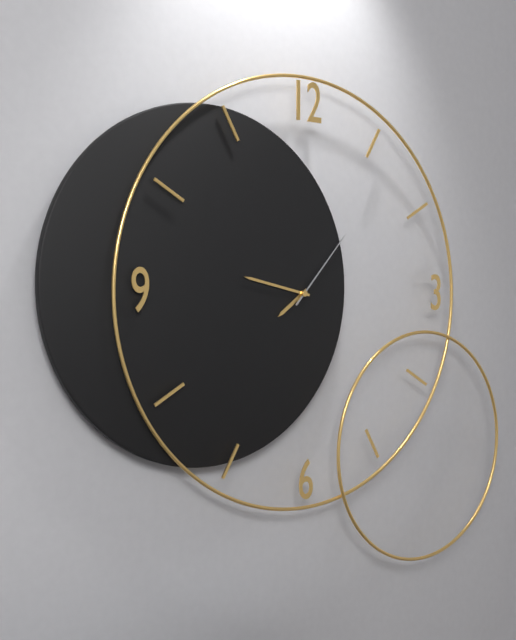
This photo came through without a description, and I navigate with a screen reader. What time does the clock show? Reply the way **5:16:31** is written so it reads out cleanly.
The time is **7:47:07**
